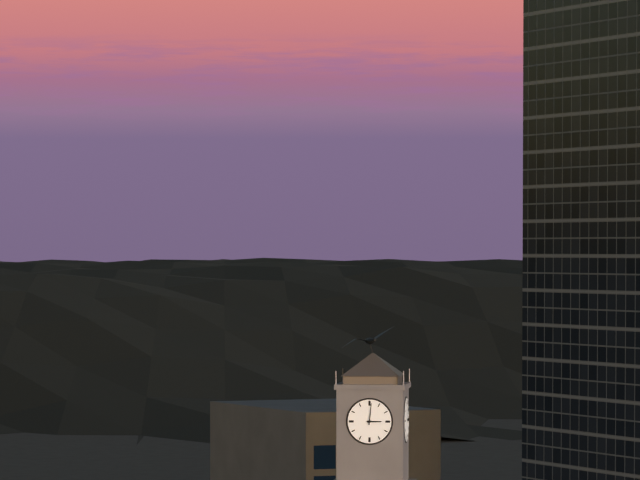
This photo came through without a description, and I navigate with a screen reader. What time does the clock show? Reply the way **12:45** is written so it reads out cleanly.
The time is **3:01**
